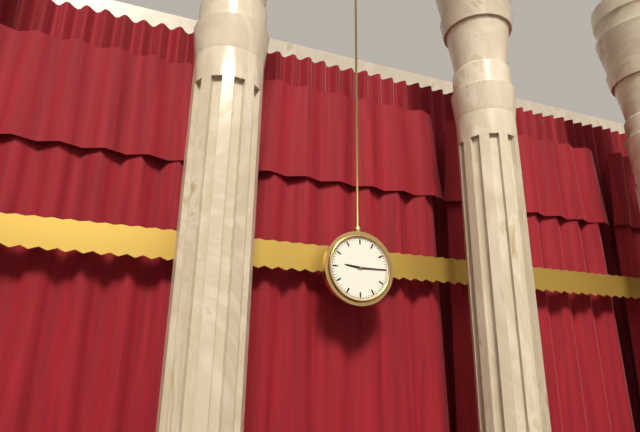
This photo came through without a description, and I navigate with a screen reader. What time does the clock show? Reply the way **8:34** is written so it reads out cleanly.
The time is **9:15**
